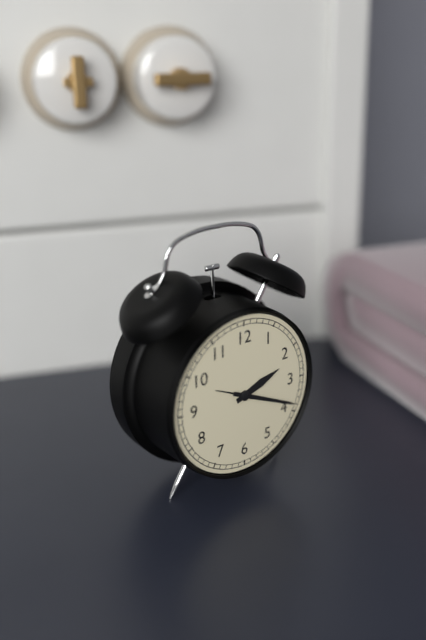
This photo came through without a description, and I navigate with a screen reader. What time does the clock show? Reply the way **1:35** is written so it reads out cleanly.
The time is **2:19**
